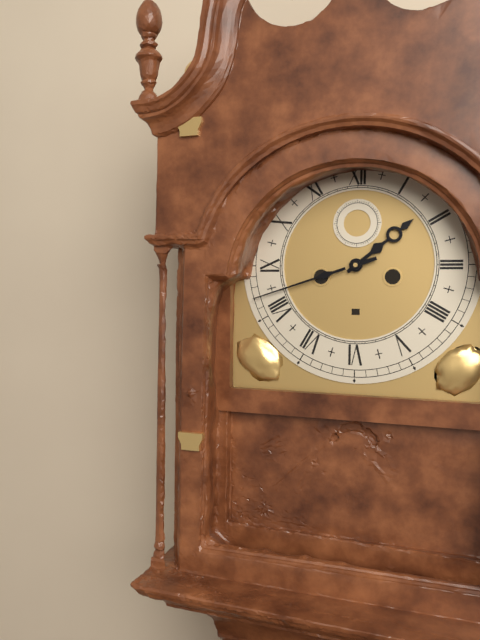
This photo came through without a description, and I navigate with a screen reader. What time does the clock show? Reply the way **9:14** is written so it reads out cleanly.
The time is **1:42**
